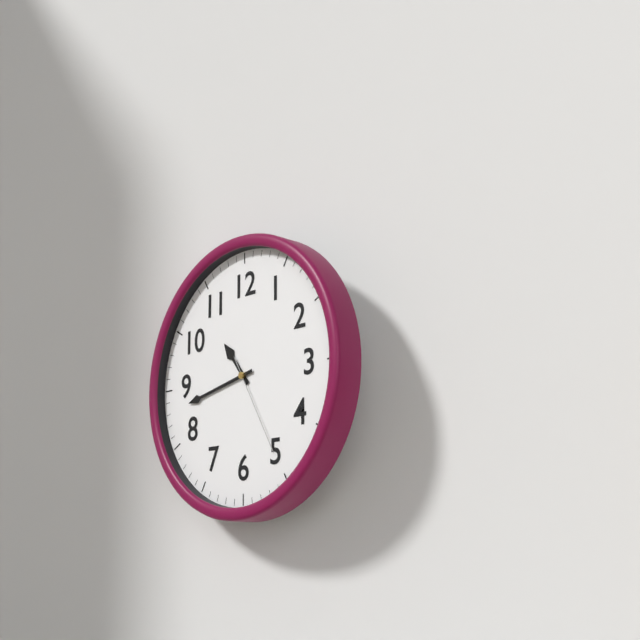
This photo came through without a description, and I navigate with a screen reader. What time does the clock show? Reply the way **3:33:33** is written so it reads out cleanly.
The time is **10:43:25**
